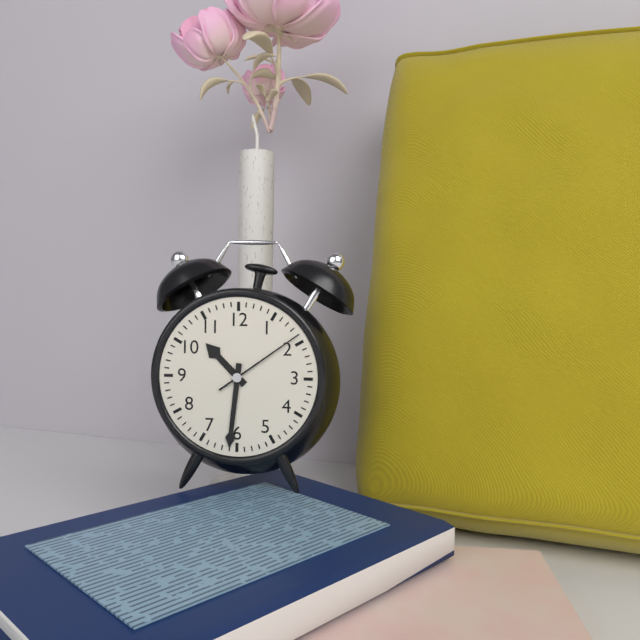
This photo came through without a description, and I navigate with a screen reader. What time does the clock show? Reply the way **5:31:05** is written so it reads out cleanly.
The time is **10:31:09**
